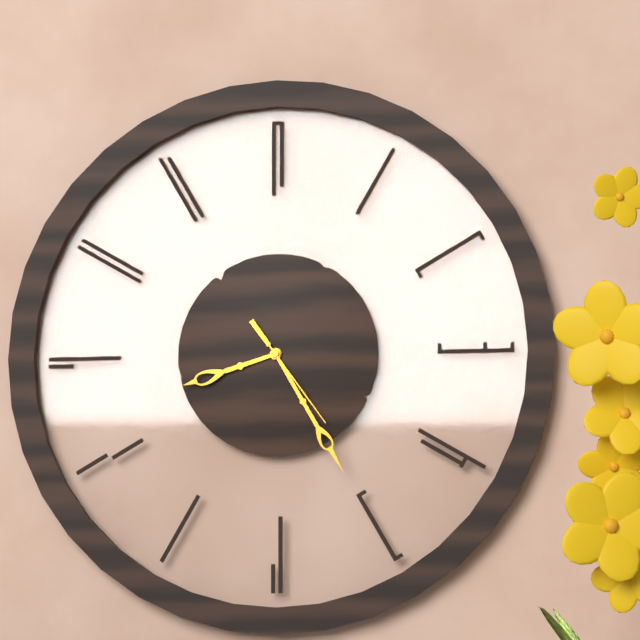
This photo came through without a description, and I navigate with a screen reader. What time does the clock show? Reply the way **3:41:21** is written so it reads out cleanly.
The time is **8:25:24**
